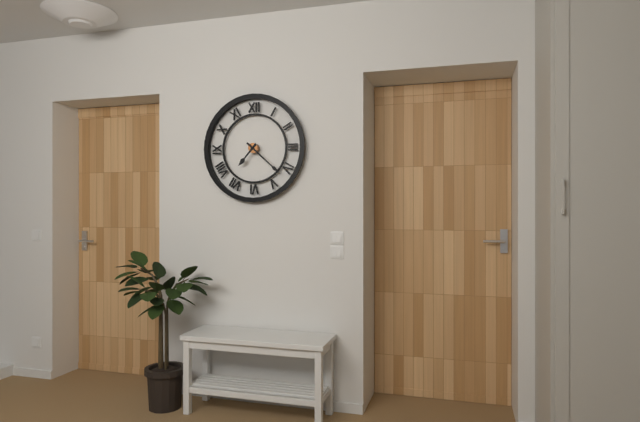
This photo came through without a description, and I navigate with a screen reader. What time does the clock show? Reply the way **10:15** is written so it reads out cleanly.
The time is **7:22**
